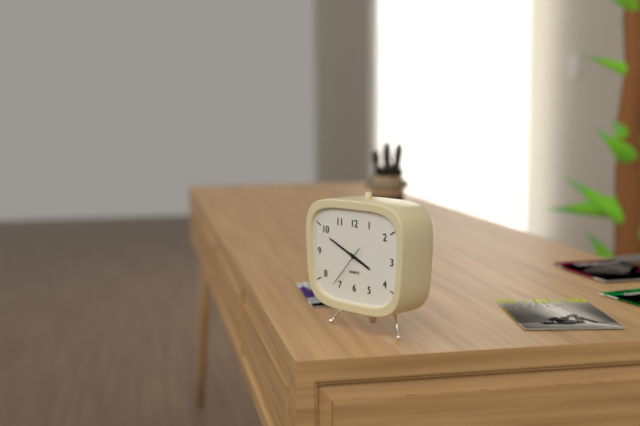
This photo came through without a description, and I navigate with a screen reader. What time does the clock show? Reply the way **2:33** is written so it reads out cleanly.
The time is **3:49**
